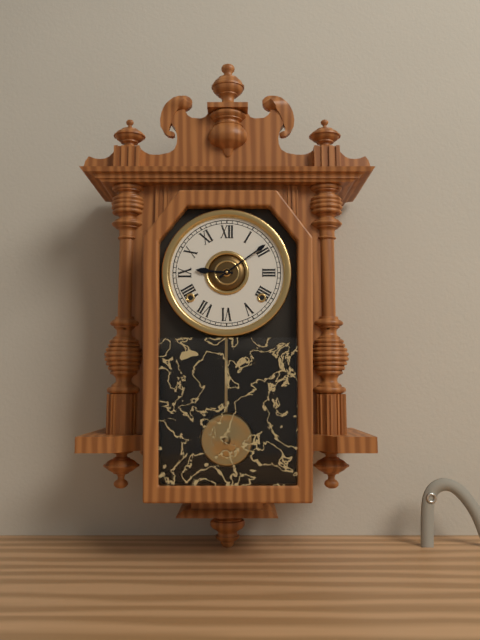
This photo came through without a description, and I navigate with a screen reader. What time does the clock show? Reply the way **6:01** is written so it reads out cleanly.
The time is **9:09**
